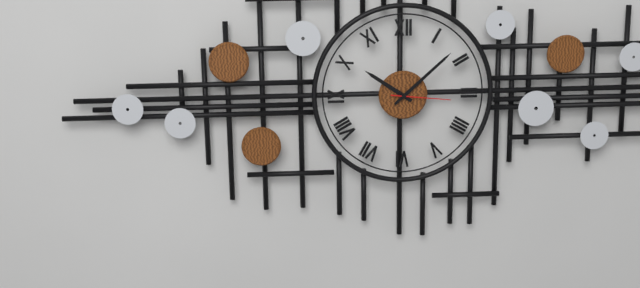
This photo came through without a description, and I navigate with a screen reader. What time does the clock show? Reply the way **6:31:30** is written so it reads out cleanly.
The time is **10:08:16**
